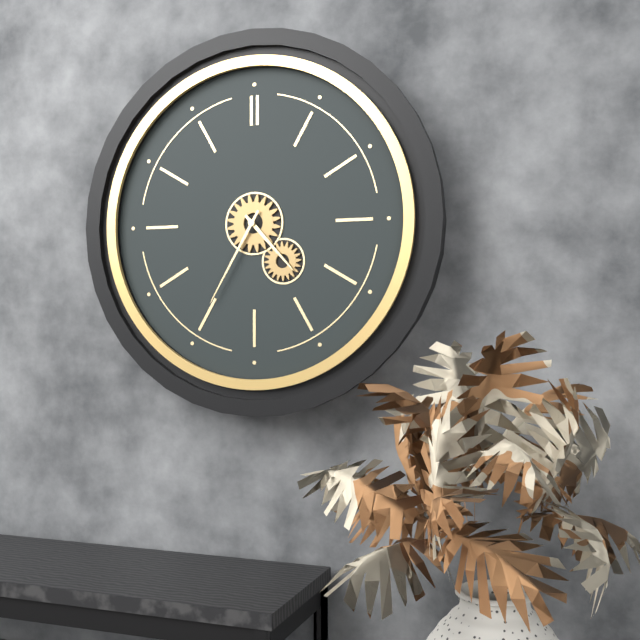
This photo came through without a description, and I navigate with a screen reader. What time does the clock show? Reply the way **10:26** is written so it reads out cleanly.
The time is **4:35**
